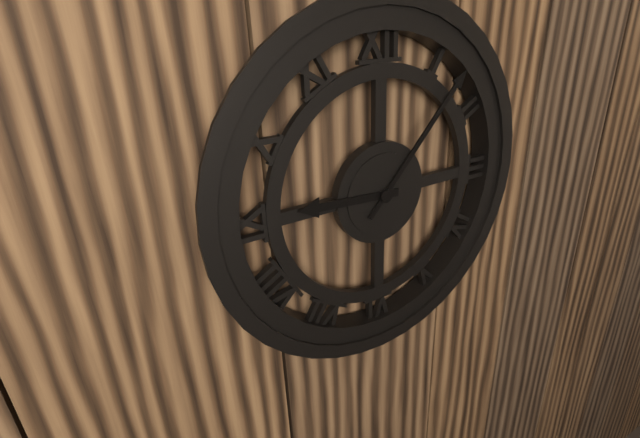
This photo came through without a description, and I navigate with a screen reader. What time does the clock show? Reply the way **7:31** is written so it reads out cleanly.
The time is **9:07**
